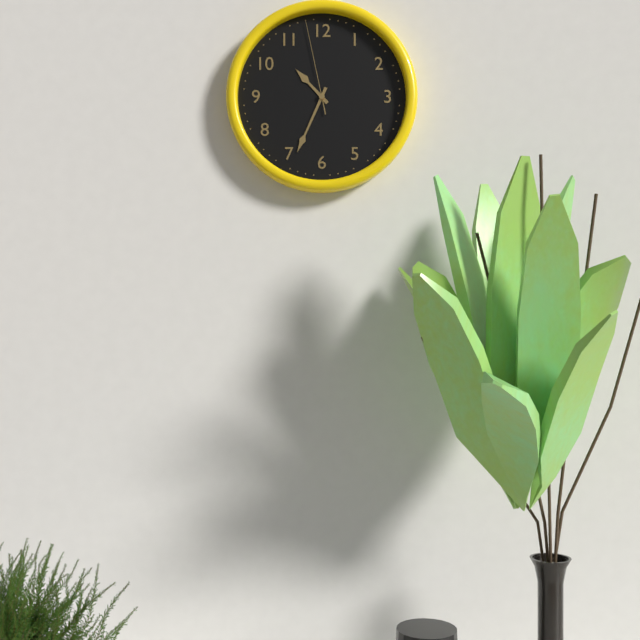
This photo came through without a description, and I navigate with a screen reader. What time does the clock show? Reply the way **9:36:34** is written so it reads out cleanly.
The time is **10:34:58**
